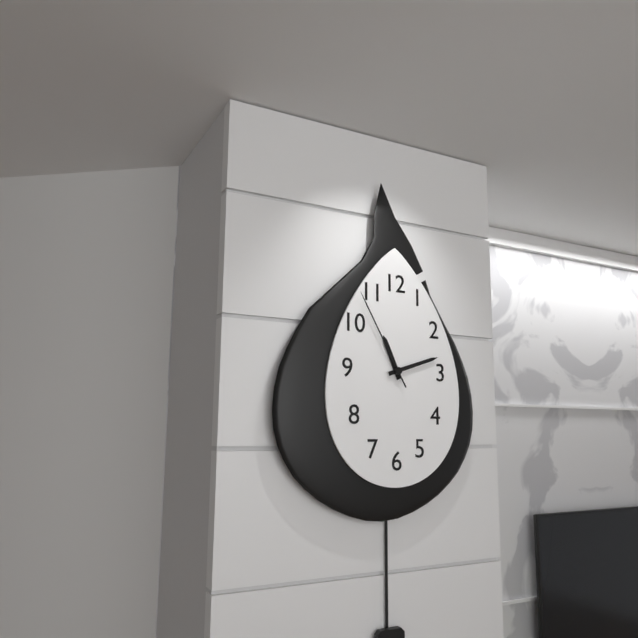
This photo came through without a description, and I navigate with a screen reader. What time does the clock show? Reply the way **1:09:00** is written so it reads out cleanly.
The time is **11:12:55**
